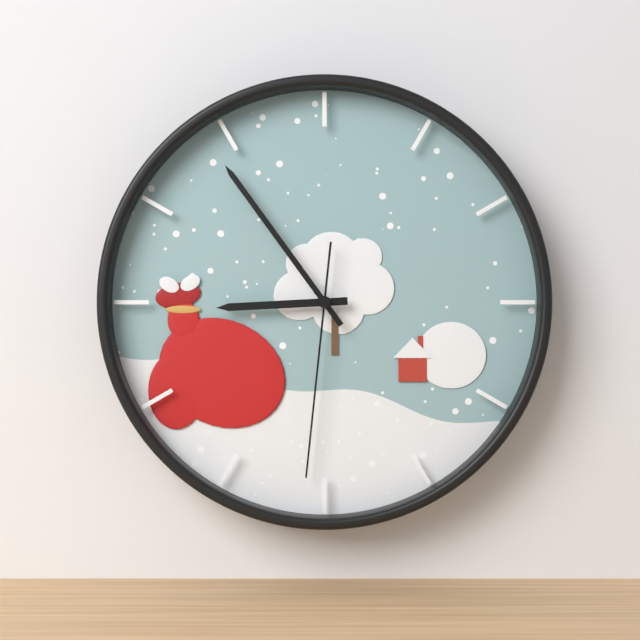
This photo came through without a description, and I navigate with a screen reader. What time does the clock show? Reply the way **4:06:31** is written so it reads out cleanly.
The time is **8:54:31**
